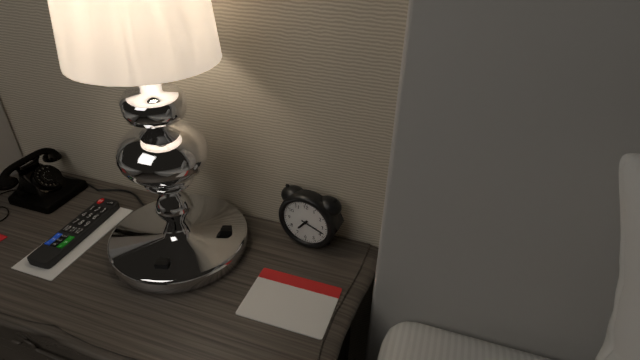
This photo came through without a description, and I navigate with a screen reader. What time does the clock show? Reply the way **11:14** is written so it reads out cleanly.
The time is **7:18**
